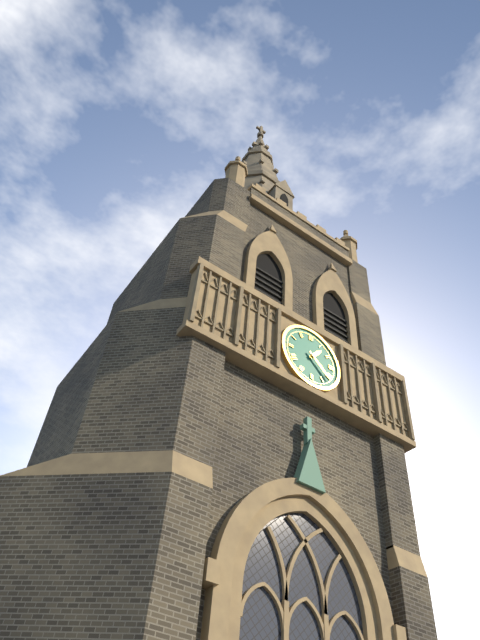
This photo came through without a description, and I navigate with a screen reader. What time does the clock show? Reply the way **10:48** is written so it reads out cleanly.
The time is **1:22**
